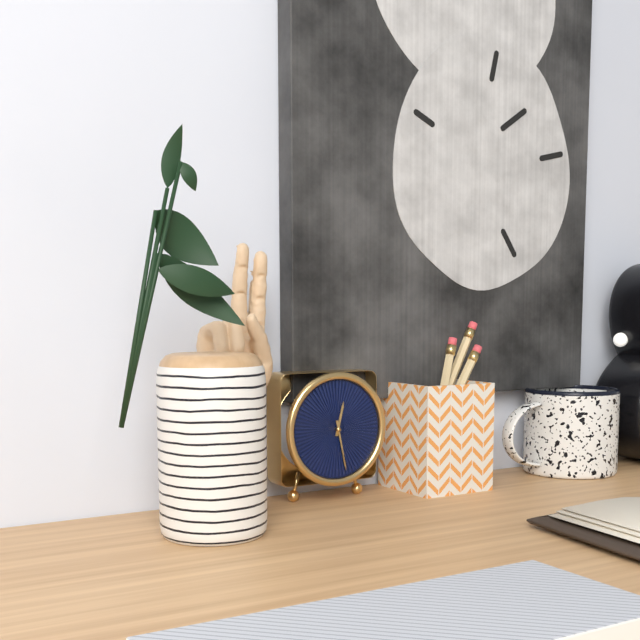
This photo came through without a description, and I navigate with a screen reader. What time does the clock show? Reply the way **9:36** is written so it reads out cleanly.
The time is **12:28**
